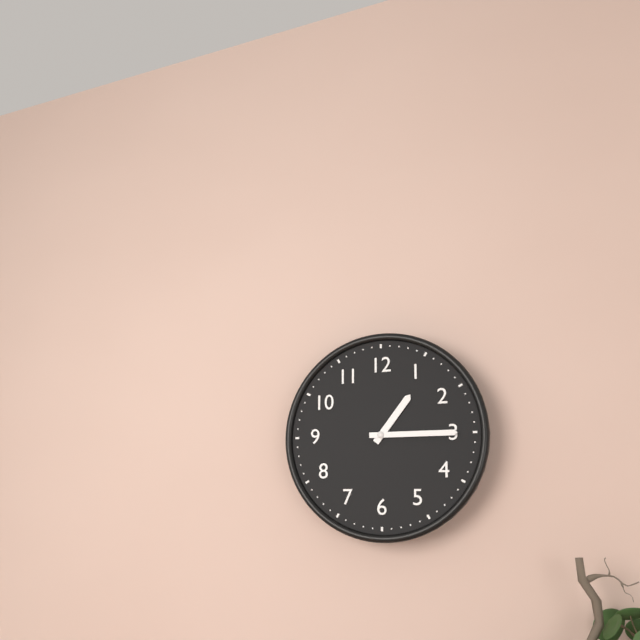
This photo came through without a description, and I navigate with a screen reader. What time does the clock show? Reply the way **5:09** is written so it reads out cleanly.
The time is **1:15**
